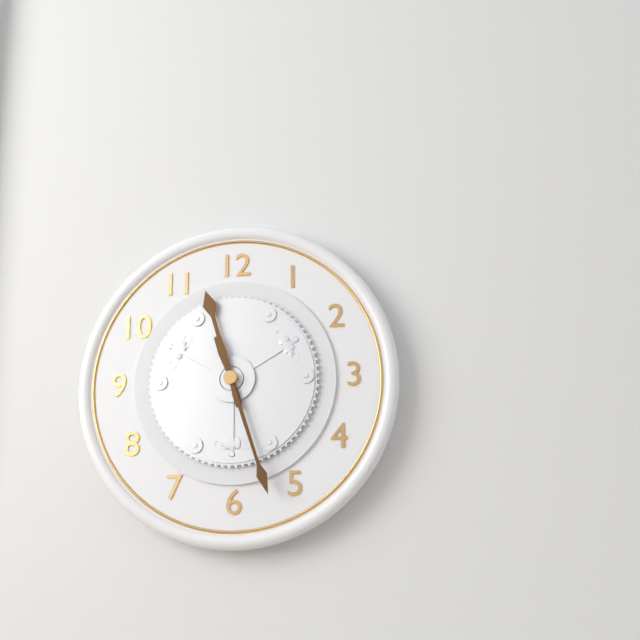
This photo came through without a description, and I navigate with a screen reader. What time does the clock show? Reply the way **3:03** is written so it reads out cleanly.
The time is **11:27**
